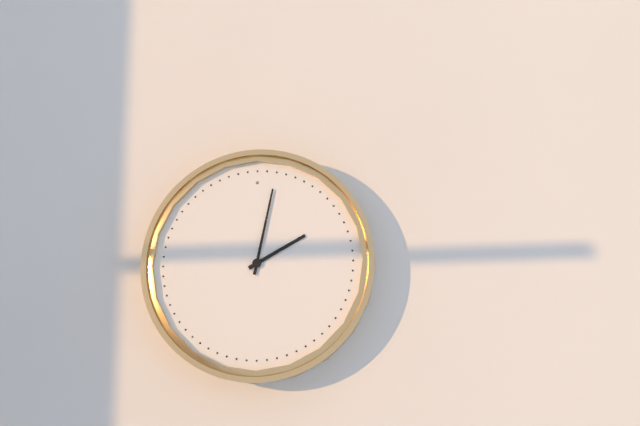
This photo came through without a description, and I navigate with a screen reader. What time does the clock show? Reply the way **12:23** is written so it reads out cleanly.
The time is **2:02**
